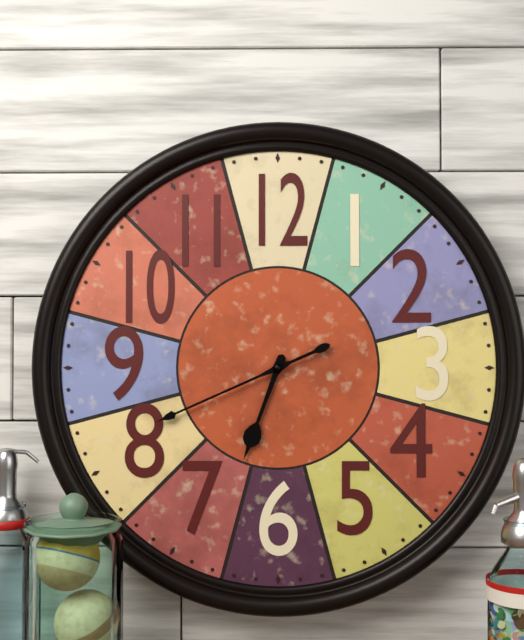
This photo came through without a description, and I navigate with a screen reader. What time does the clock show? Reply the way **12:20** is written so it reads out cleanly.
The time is **6:41**
